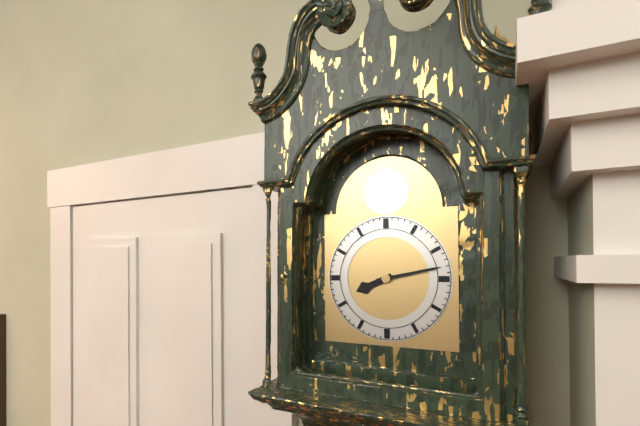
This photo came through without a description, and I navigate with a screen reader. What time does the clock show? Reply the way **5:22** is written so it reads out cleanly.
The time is **8:13**
